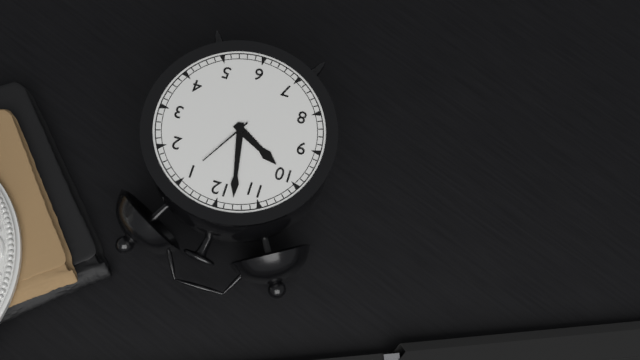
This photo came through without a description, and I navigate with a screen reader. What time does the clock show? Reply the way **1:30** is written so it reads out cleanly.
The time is **9:58**
